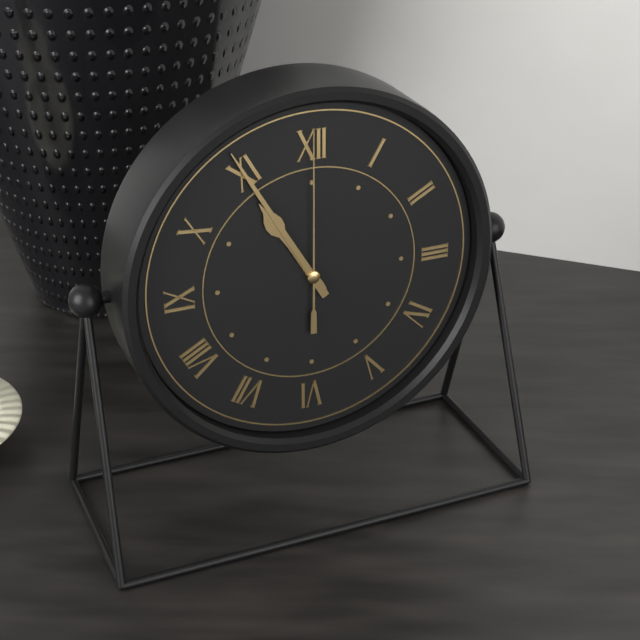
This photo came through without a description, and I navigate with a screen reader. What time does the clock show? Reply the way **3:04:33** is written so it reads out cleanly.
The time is **10:55:00**
